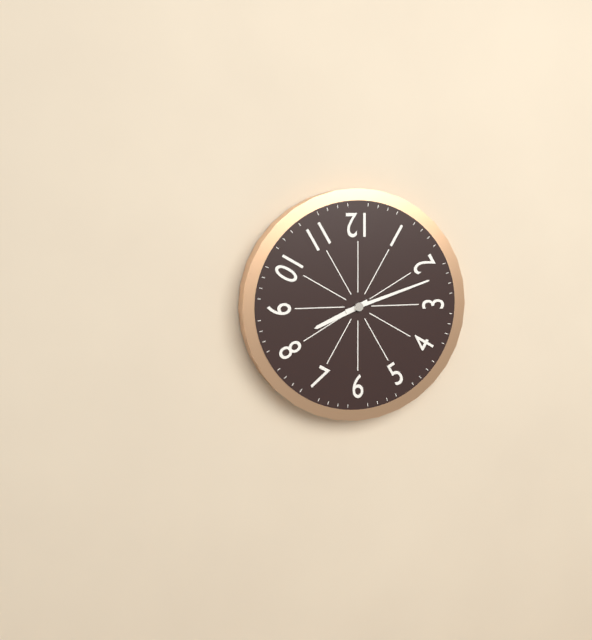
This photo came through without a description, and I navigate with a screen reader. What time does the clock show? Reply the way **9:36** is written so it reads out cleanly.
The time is **8:12**
